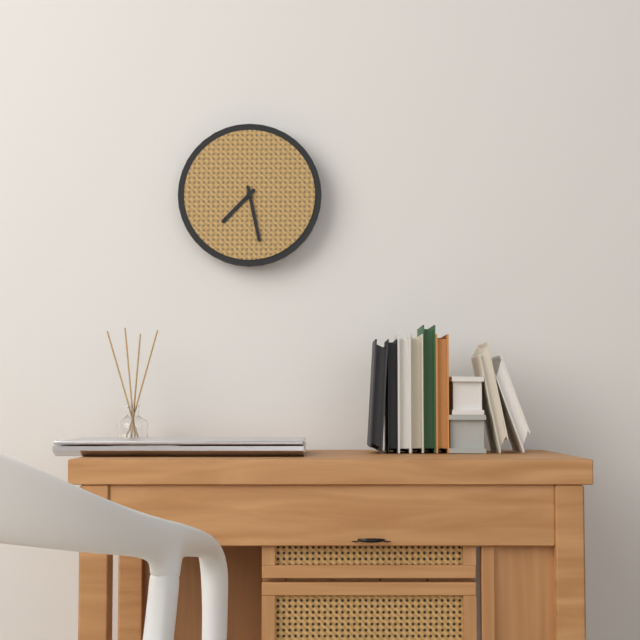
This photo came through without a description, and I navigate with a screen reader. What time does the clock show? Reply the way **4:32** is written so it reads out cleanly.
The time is **7:28**
